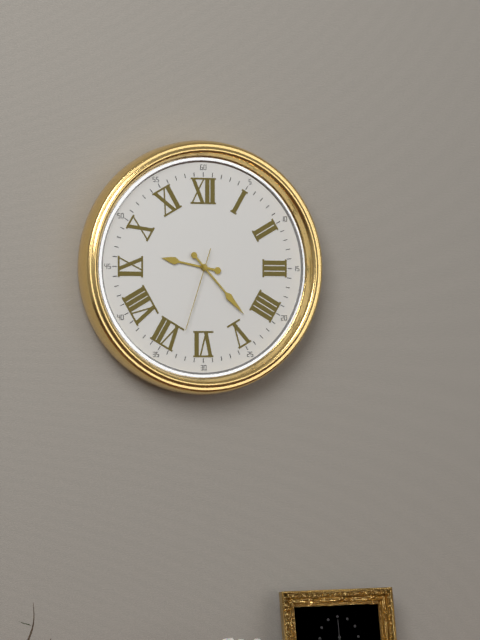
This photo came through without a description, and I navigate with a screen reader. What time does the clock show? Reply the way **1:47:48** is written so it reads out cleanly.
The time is **9:23:33**
